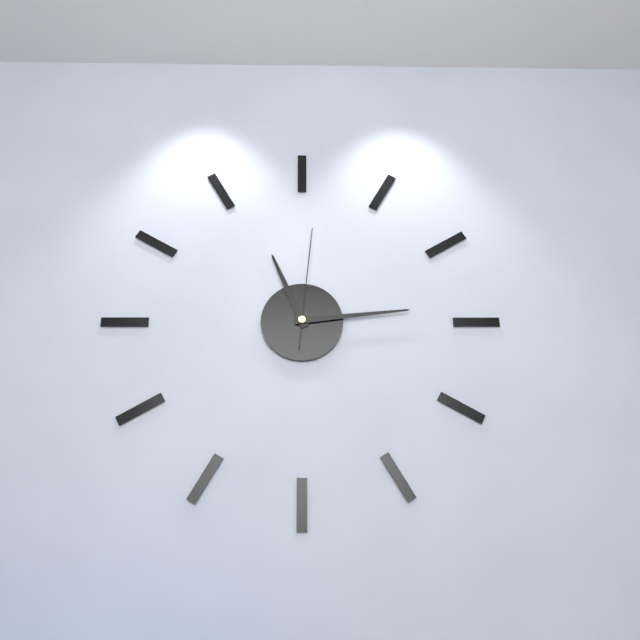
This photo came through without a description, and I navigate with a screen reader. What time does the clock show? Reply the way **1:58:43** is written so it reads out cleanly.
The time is **11:14:01**
